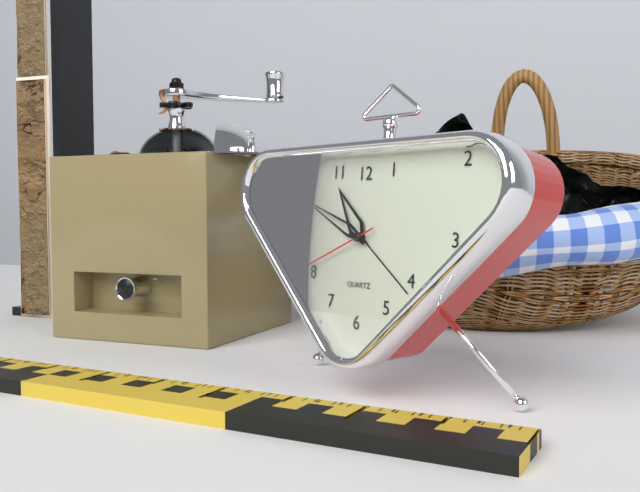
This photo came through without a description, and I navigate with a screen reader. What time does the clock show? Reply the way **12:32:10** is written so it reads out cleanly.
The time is **10:49:41**
